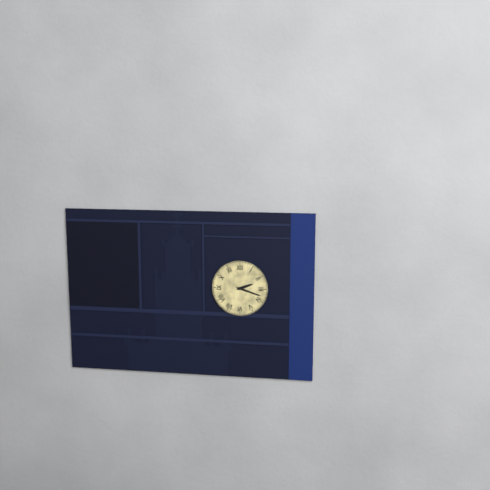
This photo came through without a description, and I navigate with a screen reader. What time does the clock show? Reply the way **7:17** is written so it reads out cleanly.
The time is **2:18**
